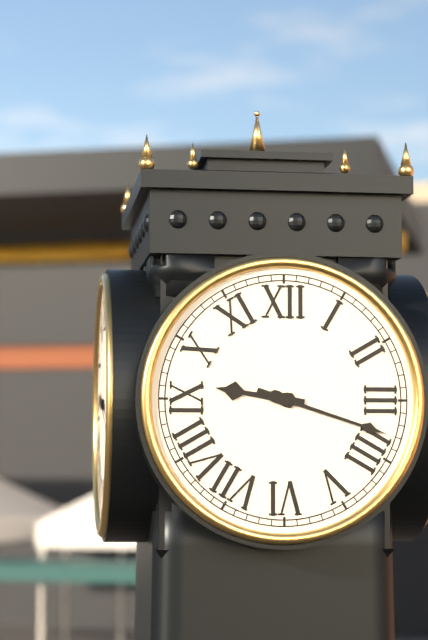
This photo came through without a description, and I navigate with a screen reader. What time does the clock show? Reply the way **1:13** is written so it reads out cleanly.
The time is **9:18**
